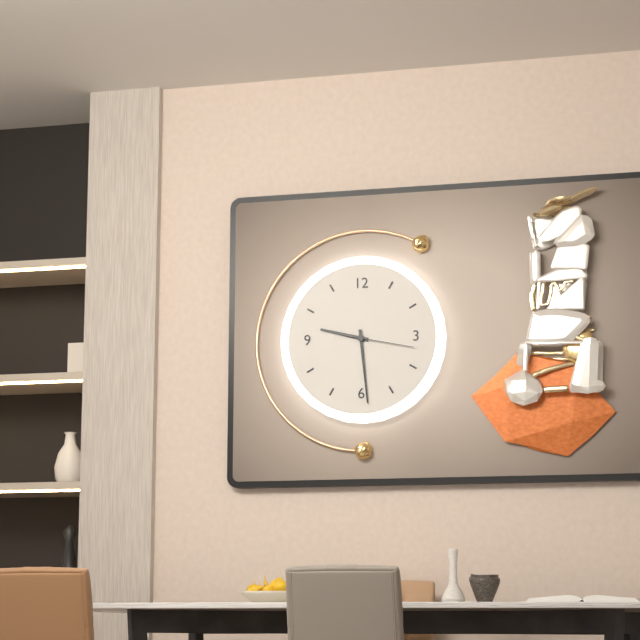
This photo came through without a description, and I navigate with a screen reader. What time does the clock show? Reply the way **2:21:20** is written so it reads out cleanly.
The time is **9:29:17**
